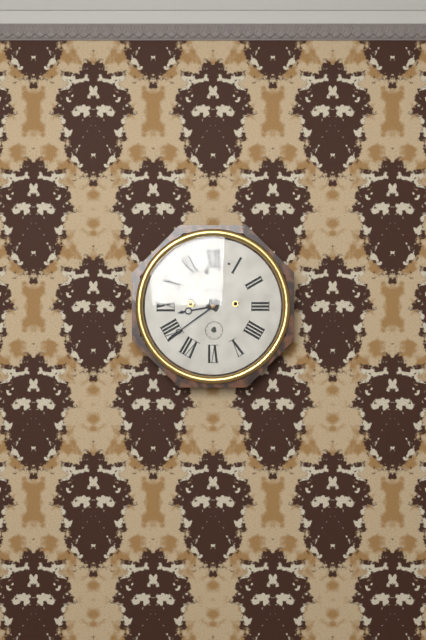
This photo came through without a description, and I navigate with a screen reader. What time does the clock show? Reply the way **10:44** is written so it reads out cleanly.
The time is **8:39**
